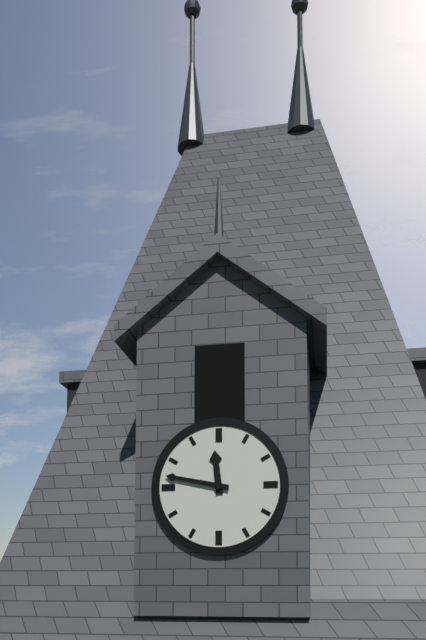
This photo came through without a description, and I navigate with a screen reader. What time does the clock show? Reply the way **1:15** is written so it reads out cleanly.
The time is **11:47**
